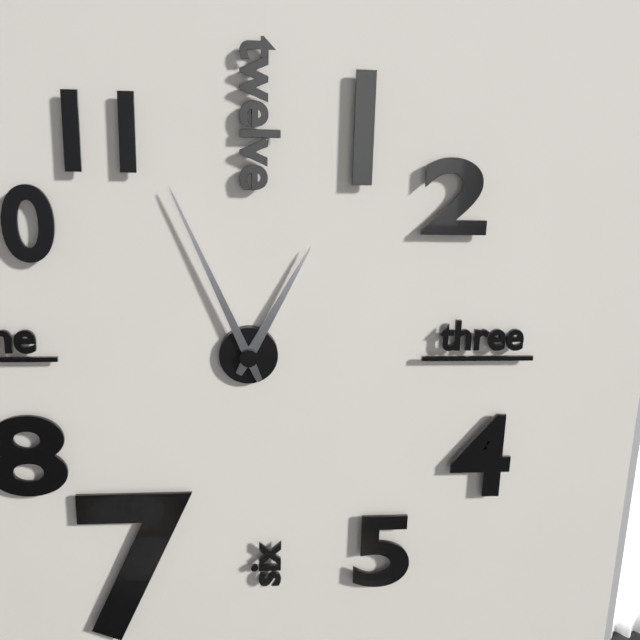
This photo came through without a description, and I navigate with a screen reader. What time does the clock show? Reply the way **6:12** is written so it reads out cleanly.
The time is **12:56**
